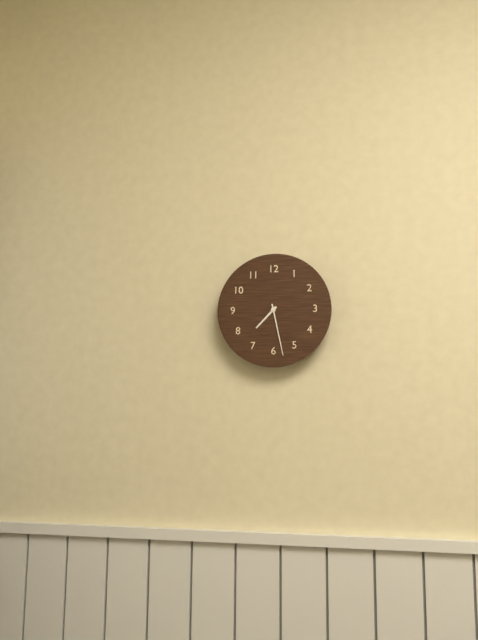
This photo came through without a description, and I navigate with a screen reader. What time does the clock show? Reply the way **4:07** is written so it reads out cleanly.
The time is **7:28**
